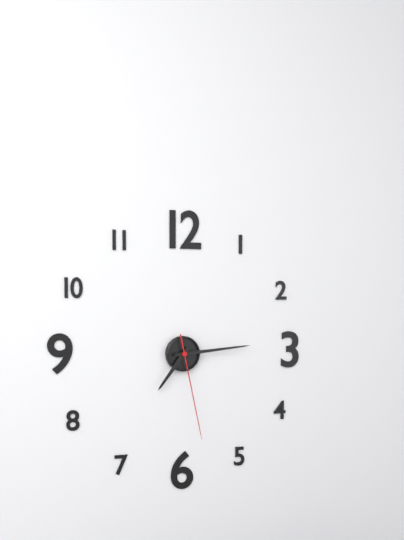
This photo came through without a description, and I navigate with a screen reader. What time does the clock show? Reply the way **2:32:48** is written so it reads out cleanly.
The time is **7:14:28**
